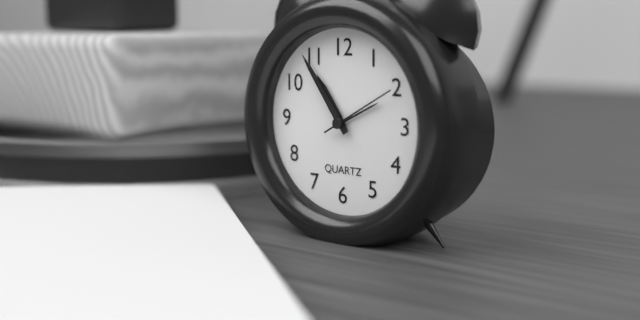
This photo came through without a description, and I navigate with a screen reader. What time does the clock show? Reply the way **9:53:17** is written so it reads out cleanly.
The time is **10:54:10**
